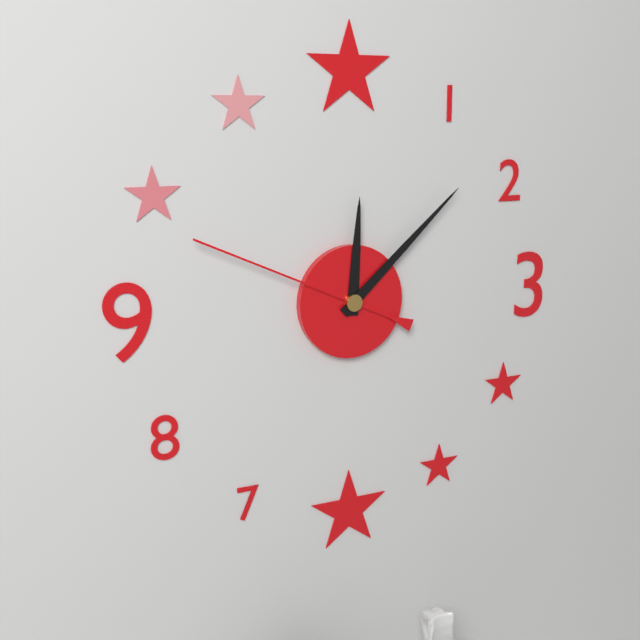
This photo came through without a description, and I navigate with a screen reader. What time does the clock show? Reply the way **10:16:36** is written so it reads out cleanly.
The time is **12:08:49**
